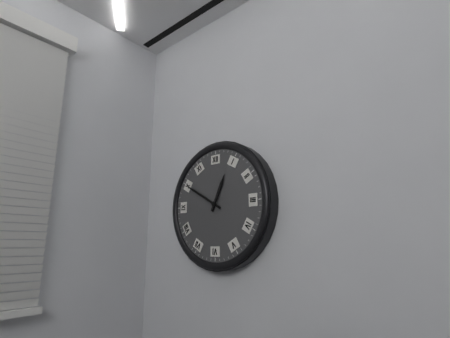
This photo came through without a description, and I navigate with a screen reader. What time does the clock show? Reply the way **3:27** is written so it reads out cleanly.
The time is **12:50**
